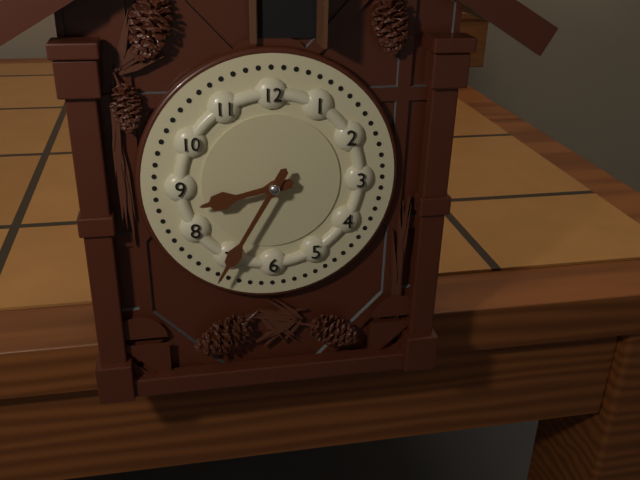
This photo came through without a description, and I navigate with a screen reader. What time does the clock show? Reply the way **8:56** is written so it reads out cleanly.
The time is **8:35**
